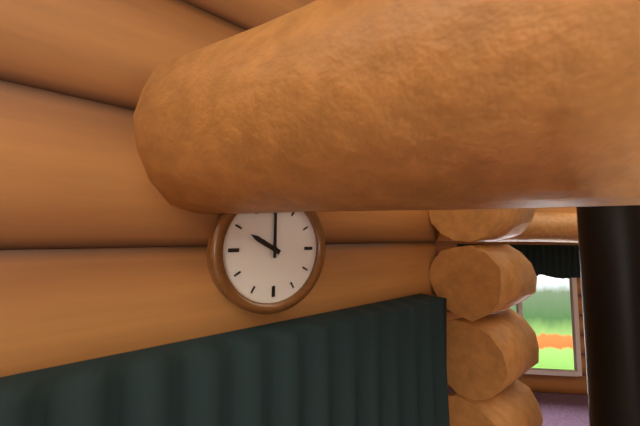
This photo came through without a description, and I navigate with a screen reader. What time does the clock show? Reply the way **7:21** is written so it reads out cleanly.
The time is **10:00**
